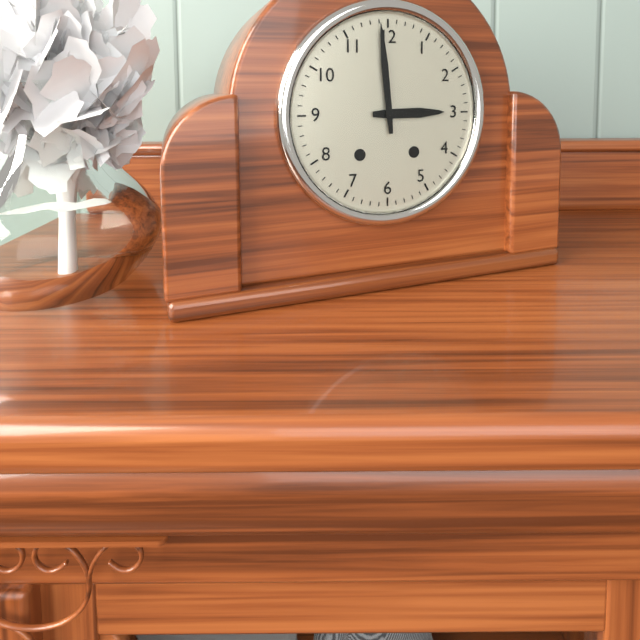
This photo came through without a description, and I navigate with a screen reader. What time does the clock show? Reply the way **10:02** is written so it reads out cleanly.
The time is **2:59**
